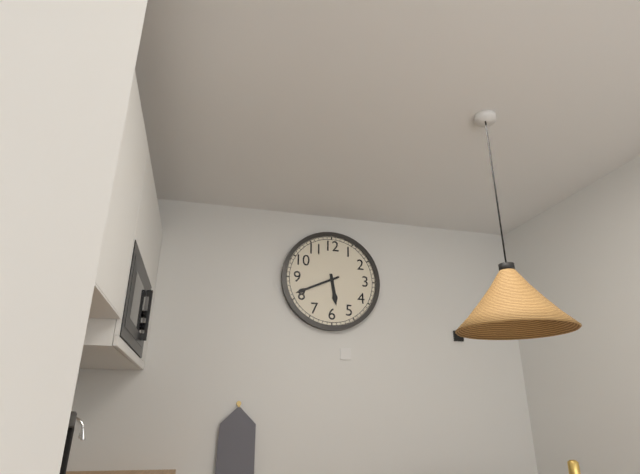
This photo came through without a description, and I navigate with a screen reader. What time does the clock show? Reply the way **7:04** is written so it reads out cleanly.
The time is **5:41**
